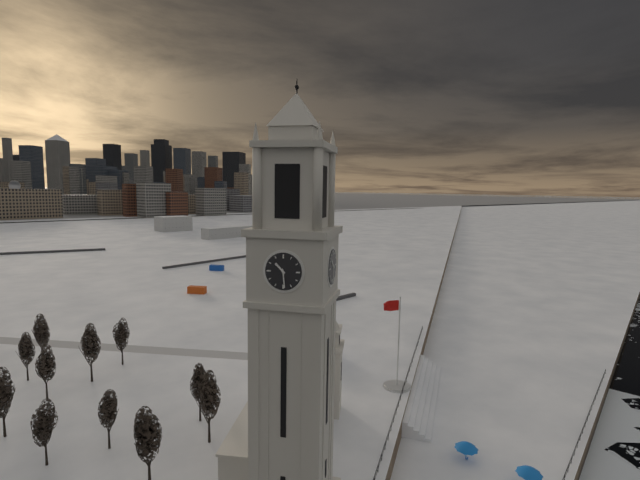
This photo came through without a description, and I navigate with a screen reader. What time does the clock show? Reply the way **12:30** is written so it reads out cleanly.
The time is **10:29**
